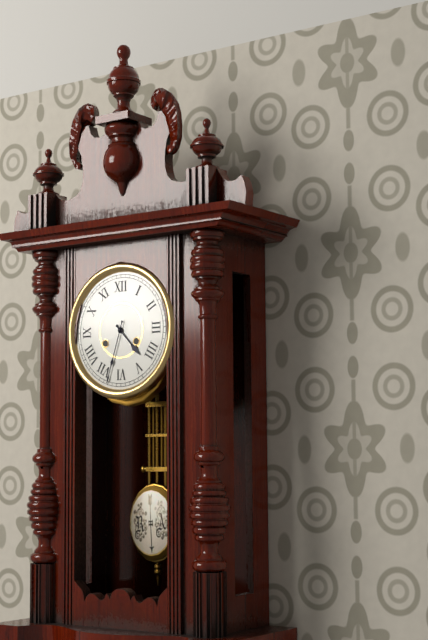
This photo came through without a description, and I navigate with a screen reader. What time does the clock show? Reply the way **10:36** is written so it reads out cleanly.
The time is **4:33**
